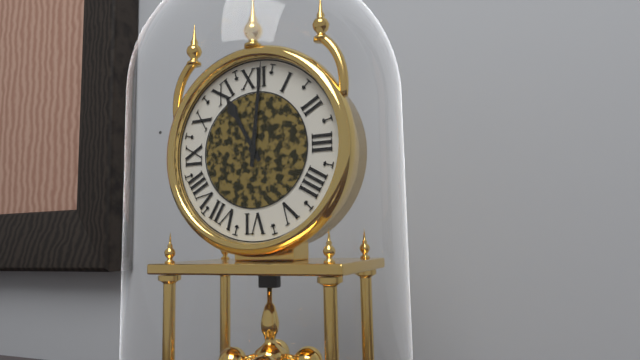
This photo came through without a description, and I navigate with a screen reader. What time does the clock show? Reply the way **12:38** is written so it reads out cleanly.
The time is **11:01**
